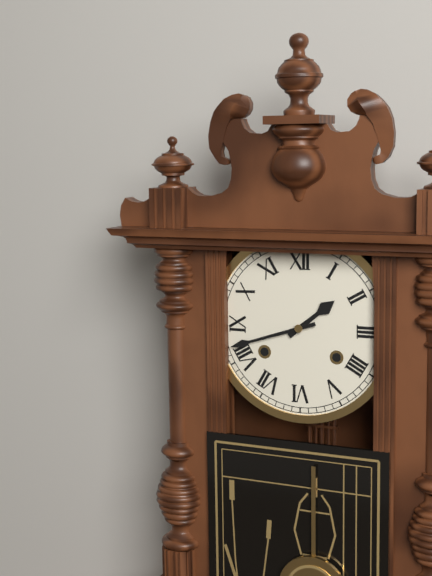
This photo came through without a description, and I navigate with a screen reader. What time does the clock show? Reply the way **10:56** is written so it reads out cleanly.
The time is **1:42**
